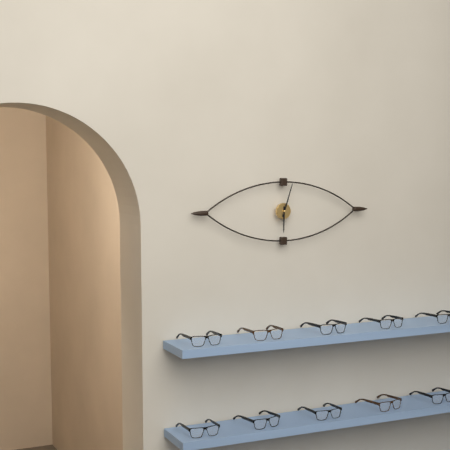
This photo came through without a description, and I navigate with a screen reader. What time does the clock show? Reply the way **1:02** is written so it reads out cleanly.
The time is **6:03**
